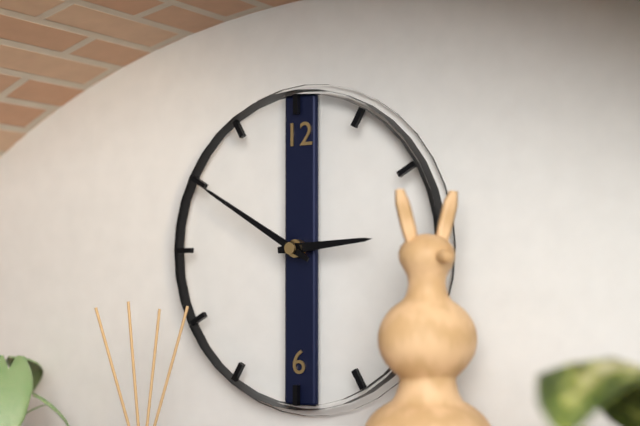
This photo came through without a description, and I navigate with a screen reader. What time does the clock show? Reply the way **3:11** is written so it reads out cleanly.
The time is **2:50**
